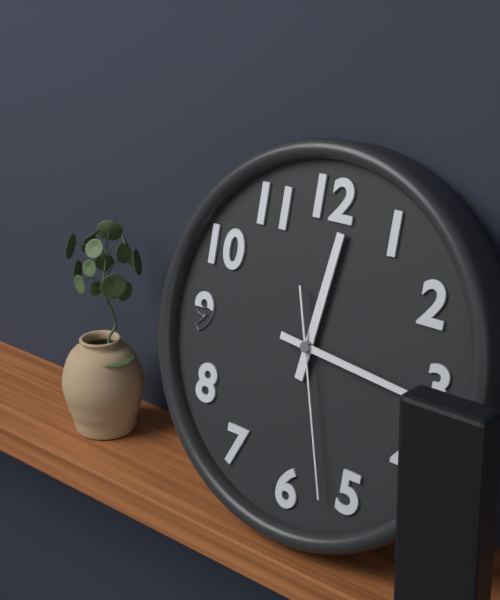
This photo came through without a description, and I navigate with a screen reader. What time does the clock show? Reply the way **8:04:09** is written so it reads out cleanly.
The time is **12:16:27**
